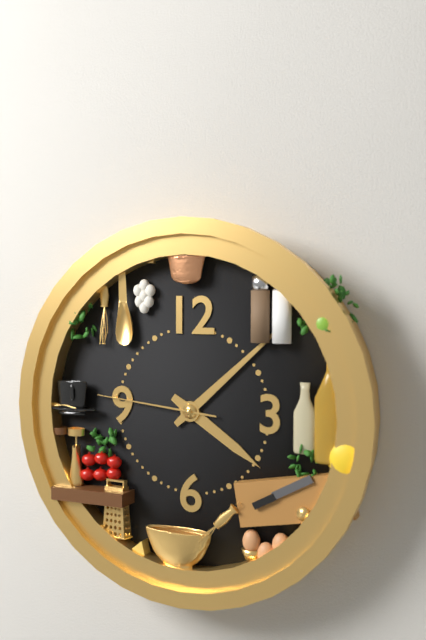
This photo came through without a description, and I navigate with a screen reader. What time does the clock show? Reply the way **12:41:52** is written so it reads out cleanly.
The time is **4:08:46**
